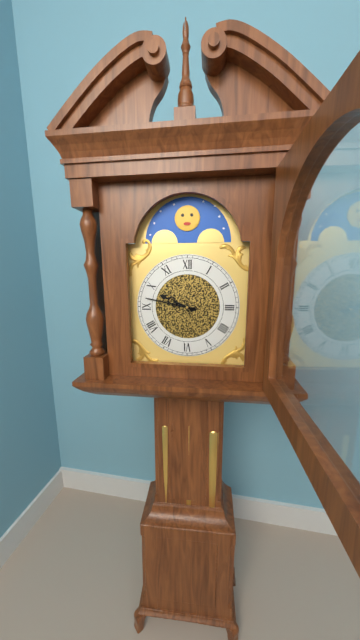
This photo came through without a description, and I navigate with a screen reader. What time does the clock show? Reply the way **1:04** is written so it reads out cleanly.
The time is **9:47**
